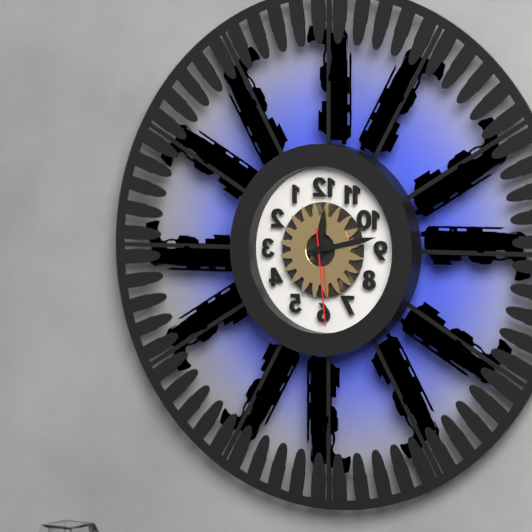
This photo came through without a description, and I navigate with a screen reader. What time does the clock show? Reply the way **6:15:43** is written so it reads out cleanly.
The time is **12:13:29**
